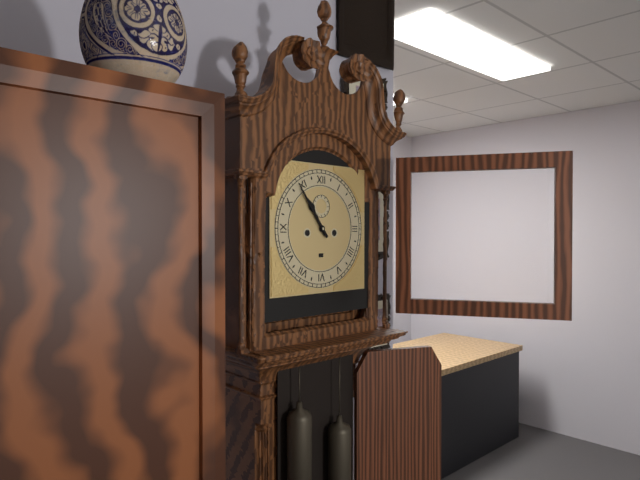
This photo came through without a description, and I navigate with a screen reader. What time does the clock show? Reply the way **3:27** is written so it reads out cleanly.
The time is **10:54**
